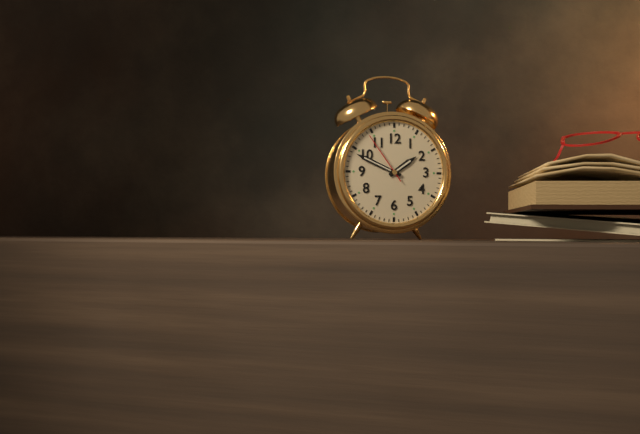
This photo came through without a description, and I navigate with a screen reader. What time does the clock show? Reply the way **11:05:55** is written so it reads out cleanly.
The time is **1:49:54**
